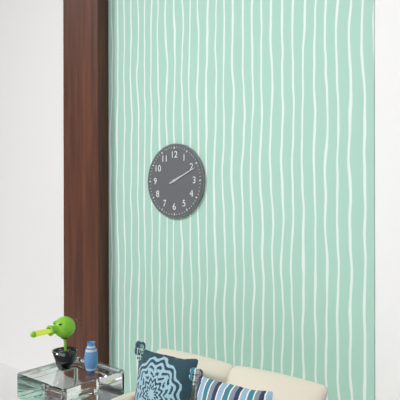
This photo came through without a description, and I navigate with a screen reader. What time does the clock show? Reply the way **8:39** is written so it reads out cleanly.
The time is **2:11**
